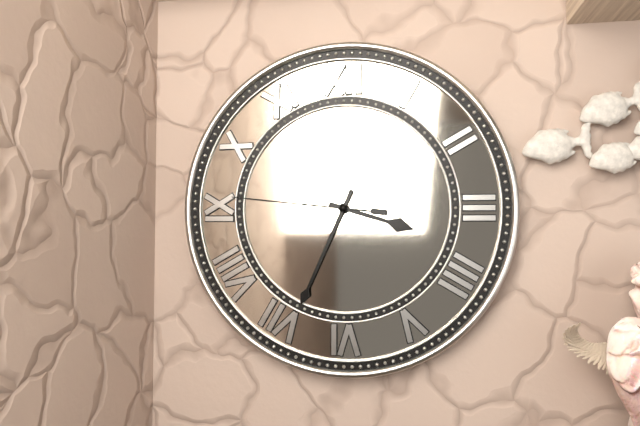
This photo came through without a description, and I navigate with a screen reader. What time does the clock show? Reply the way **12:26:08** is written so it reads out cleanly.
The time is **3:34:46**
